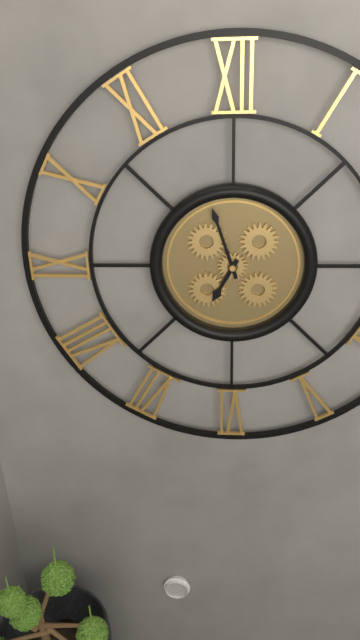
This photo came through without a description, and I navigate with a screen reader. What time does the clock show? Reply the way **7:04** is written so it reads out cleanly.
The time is **6:57**
